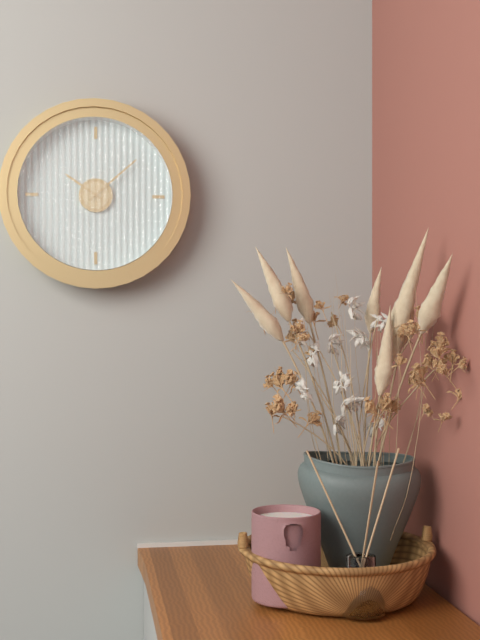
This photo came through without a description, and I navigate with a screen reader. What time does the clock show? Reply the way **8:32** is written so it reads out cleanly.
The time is **10:08**
